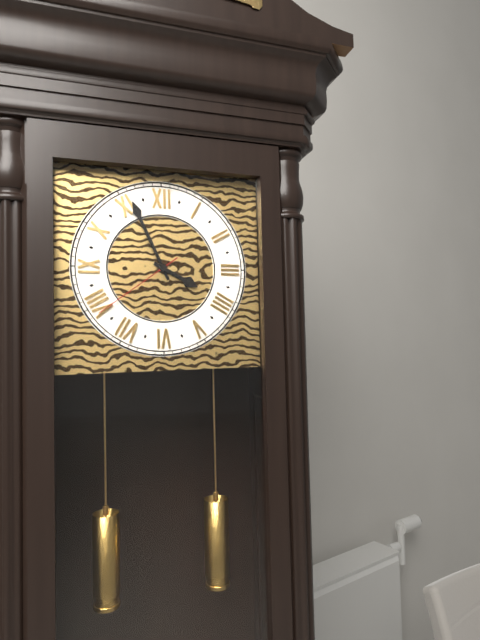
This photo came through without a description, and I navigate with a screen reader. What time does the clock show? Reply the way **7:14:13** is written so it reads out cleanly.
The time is **3:56:39**
